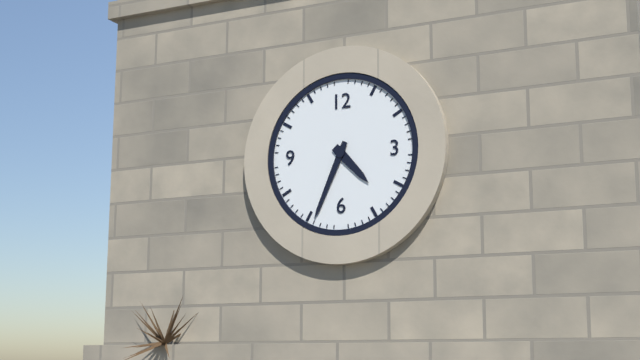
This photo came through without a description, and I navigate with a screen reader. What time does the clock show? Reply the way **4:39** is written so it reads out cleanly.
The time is **4:34**
